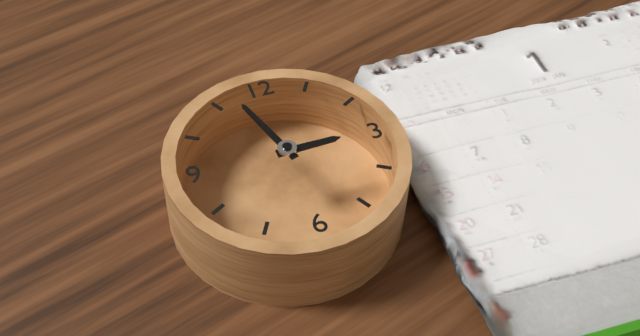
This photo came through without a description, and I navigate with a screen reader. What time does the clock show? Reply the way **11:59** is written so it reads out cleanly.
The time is **2:57**
